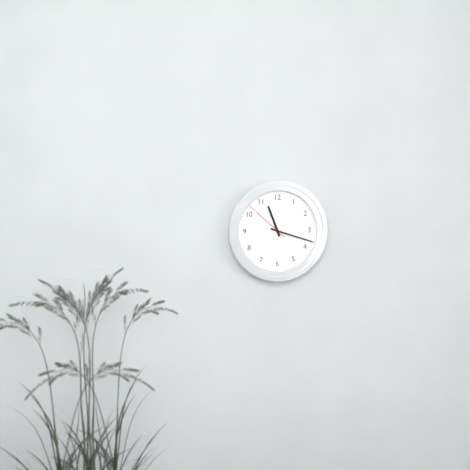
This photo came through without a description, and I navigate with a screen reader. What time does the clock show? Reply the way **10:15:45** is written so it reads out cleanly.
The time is **11:18:52**
